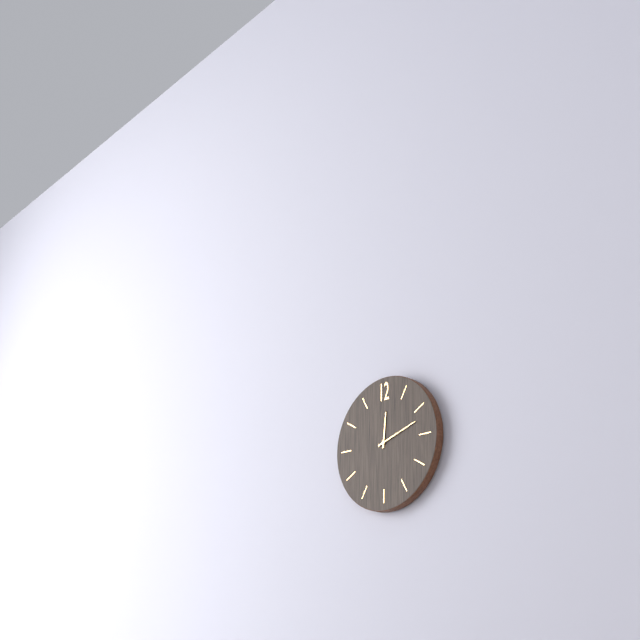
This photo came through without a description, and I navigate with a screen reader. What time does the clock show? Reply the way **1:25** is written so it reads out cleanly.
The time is **12:12**
